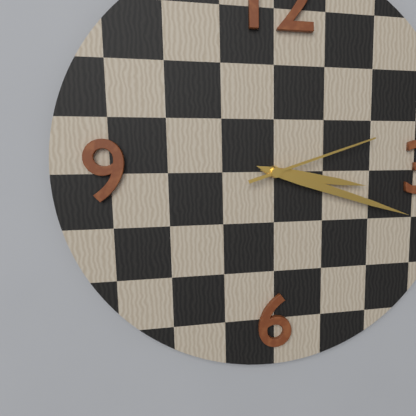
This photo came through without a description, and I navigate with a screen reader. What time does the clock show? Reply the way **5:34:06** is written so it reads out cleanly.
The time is **3:18:12**
